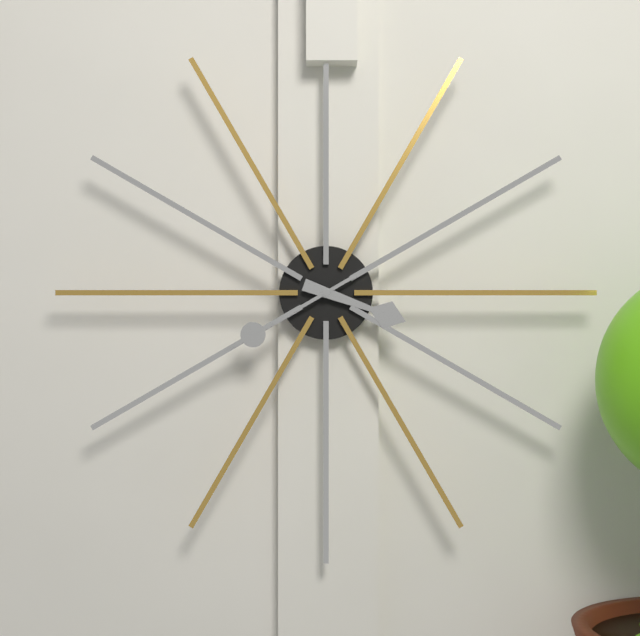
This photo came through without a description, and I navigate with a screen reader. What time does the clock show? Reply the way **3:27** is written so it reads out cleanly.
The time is **3:40**
